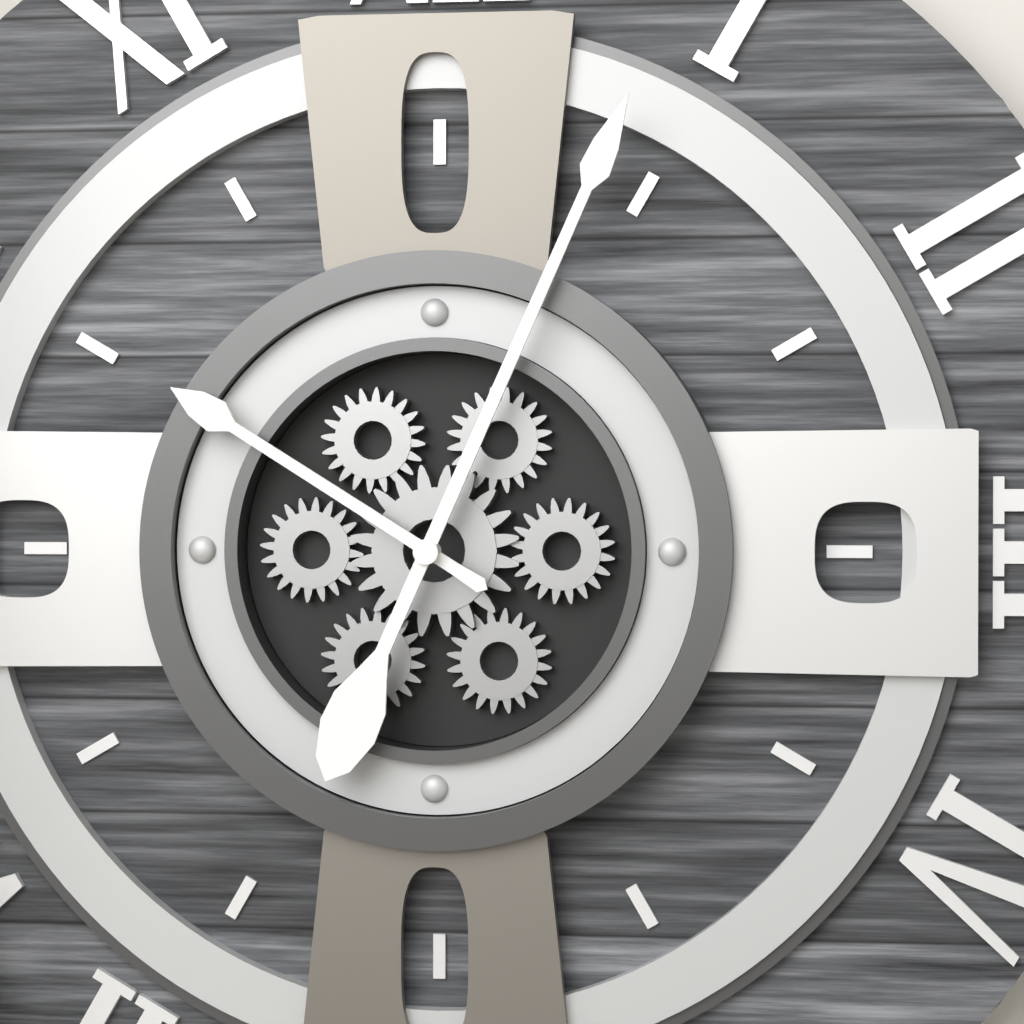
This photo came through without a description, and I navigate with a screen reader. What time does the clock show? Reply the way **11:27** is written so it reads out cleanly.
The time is **10:04**
